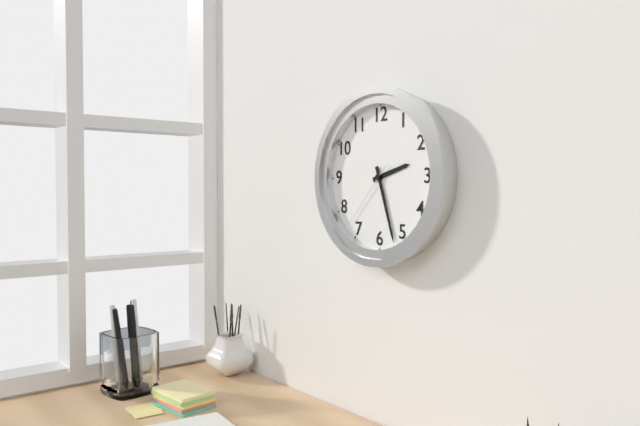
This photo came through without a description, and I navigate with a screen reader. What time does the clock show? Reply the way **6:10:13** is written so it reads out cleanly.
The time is **2:27:37**
